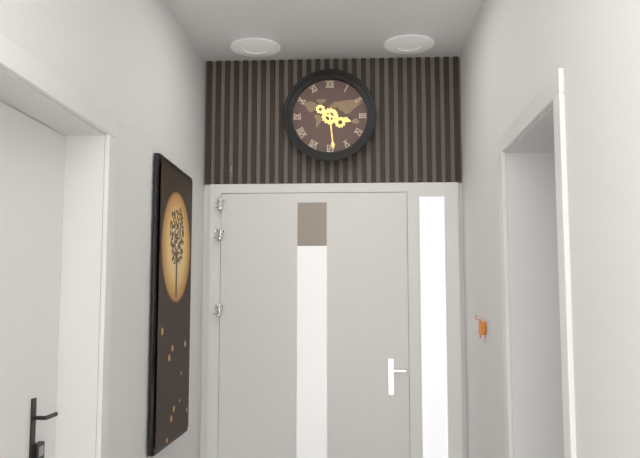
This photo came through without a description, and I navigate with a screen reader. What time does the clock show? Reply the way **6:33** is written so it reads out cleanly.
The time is **3:29**
